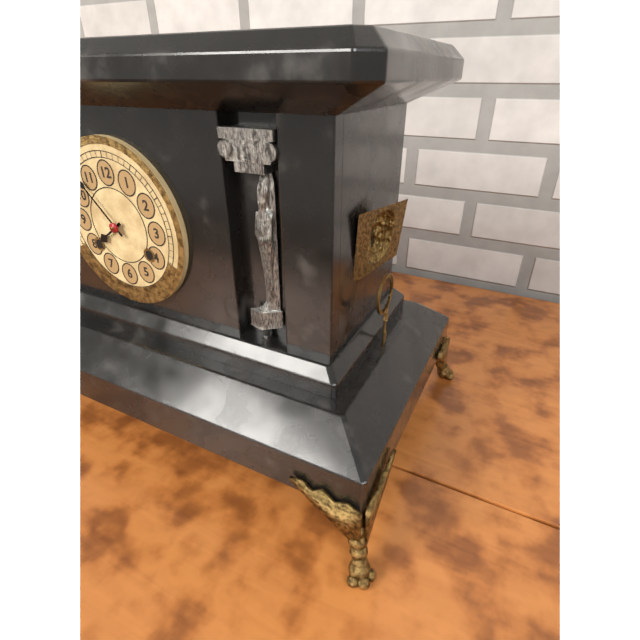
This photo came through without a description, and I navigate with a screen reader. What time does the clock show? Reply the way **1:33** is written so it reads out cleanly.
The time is **7:53**
